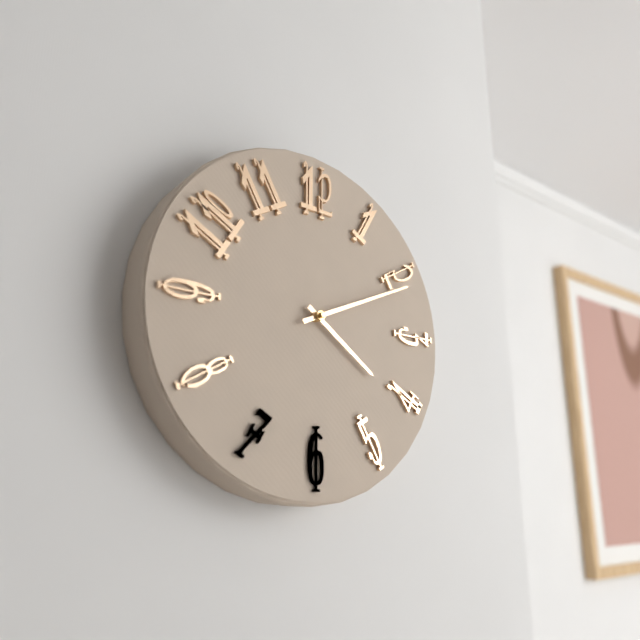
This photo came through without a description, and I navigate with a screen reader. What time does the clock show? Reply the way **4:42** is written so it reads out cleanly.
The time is **4:11**
